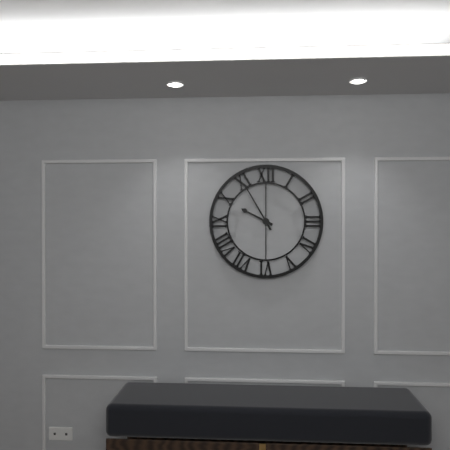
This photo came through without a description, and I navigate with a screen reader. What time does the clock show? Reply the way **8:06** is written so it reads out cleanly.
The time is **9:55**
